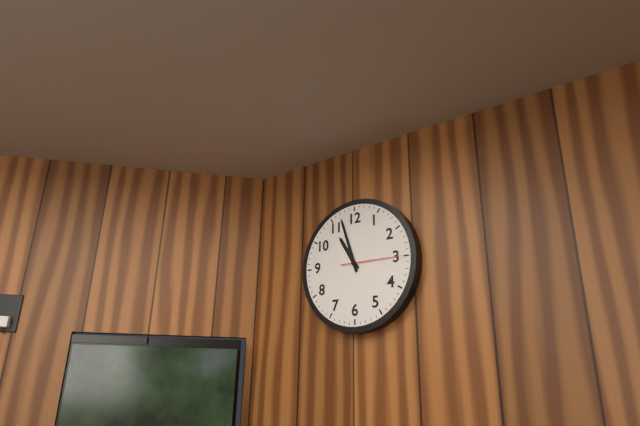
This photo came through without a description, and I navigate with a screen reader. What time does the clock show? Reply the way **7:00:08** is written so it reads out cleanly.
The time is **10:57:15**
